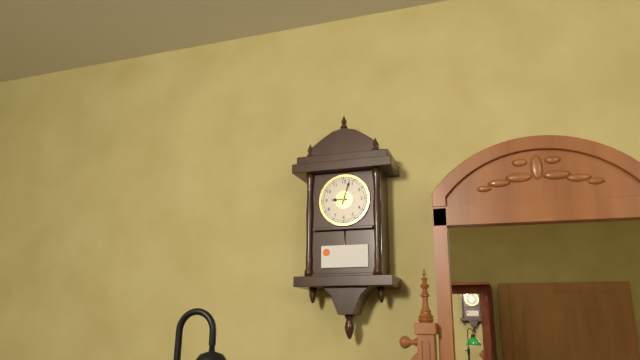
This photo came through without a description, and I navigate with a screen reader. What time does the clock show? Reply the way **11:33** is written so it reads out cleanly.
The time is **9:03**
